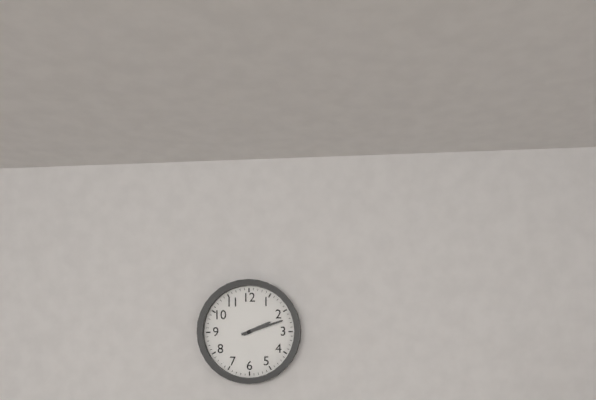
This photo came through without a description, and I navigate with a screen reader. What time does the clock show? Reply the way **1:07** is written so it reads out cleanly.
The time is **2:12**
